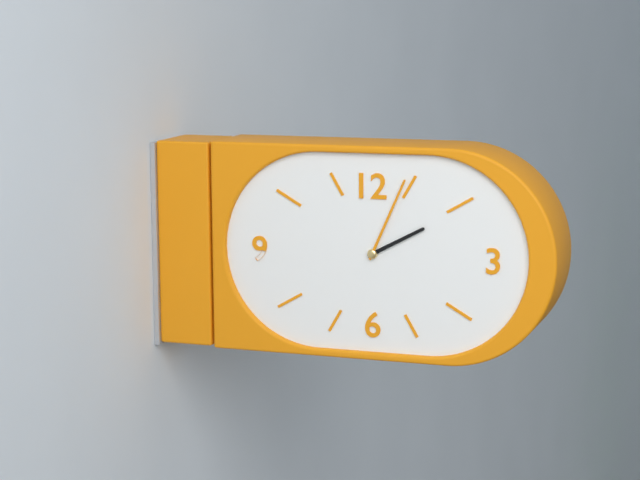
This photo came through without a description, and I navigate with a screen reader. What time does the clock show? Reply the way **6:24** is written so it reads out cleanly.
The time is **2:04**
